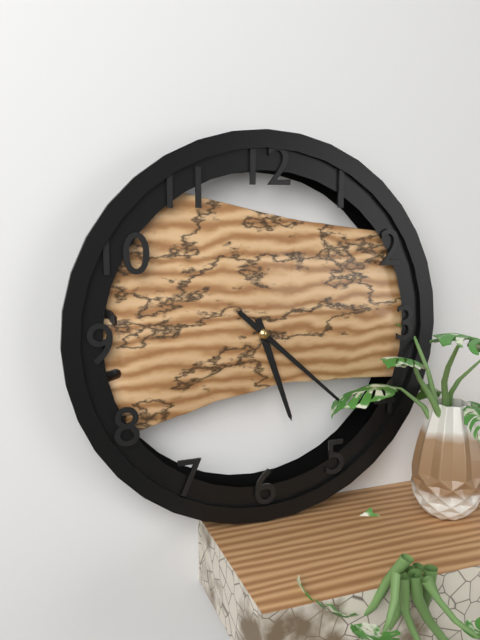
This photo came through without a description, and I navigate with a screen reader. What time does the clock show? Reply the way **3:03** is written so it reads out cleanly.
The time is **5:22**
